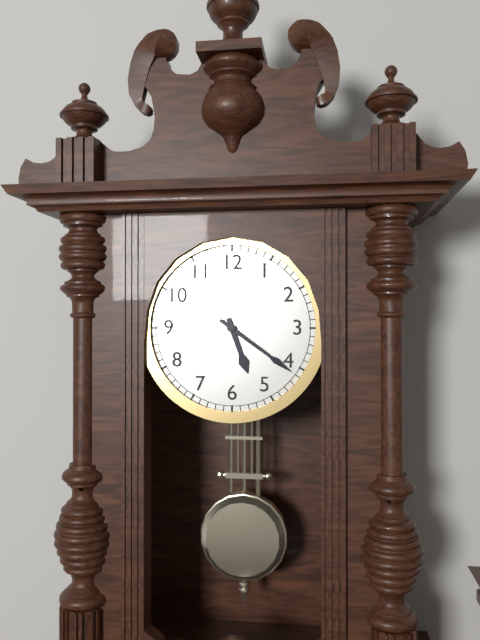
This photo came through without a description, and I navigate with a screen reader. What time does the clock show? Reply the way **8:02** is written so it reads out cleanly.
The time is **5:21**
